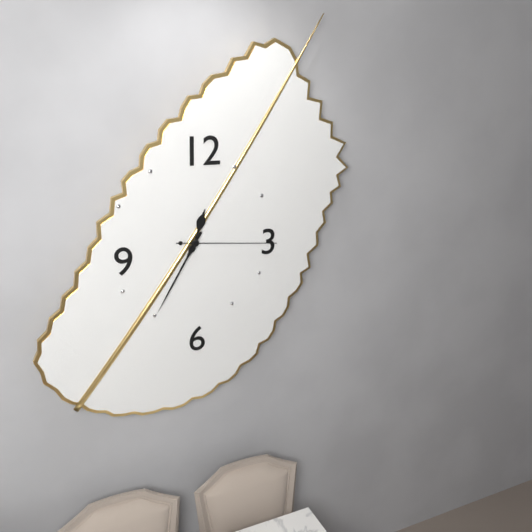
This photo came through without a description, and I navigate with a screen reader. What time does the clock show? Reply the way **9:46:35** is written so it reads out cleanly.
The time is **12:35:16**
